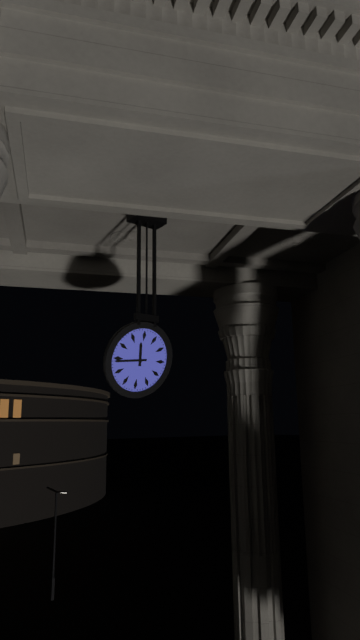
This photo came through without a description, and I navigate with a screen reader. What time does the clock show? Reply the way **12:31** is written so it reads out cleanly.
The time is **11:44**
